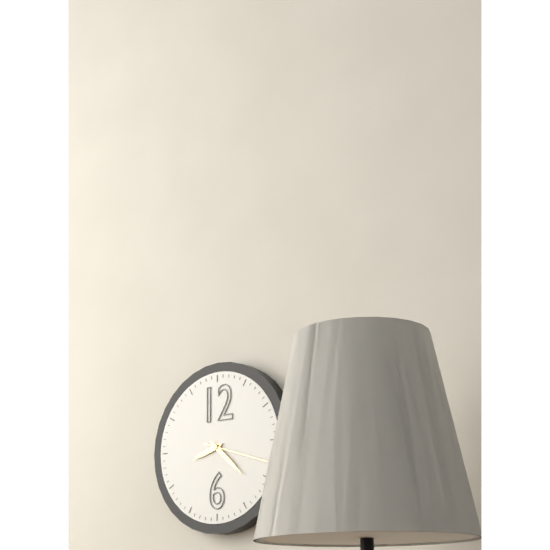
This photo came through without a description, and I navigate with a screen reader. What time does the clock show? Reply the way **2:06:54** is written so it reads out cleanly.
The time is **8:22:18**
